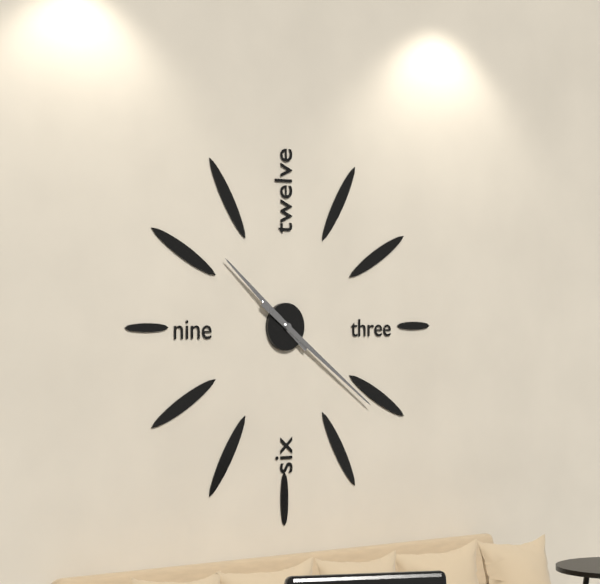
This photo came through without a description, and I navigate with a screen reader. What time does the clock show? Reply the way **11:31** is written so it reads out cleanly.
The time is **10:21**
